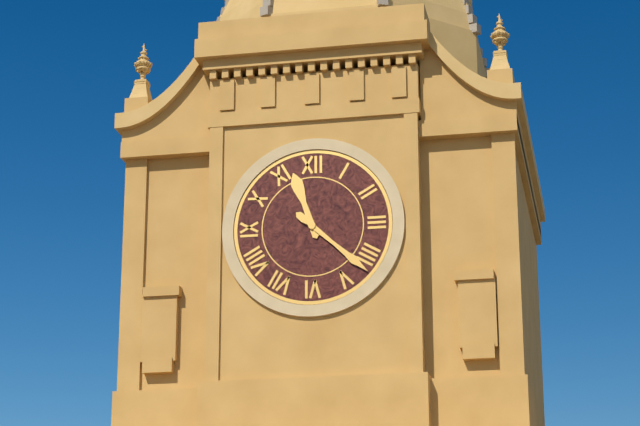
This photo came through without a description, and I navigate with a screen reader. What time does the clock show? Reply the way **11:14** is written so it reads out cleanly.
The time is **11:22**
